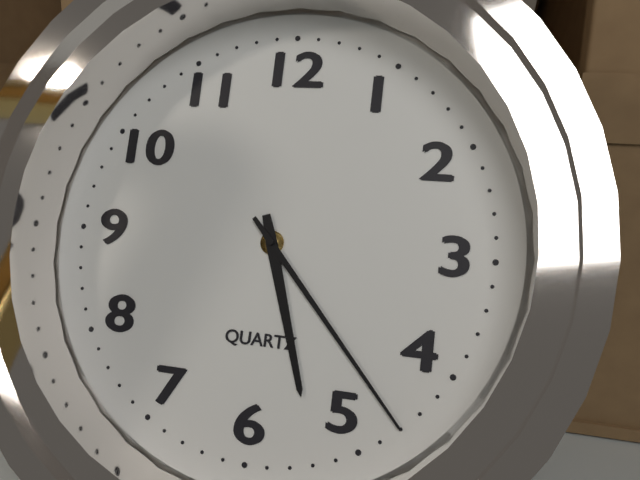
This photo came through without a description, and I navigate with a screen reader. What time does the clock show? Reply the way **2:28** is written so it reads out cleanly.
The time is **5:23**
